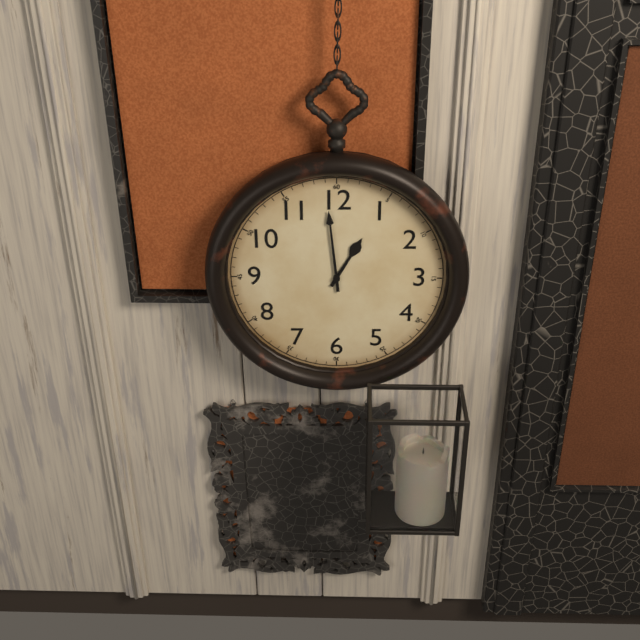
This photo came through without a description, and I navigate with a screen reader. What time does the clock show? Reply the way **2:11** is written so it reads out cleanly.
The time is **12:59**
